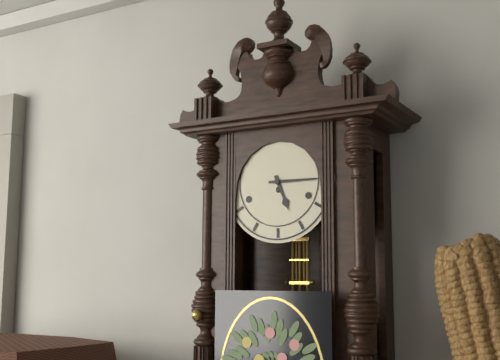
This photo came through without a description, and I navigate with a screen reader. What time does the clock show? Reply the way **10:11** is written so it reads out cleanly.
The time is **5:15**
